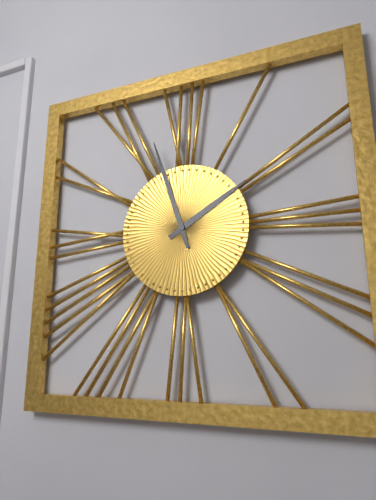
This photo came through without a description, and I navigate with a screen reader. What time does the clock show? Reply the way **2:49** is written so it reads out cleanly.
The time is **1:57**
